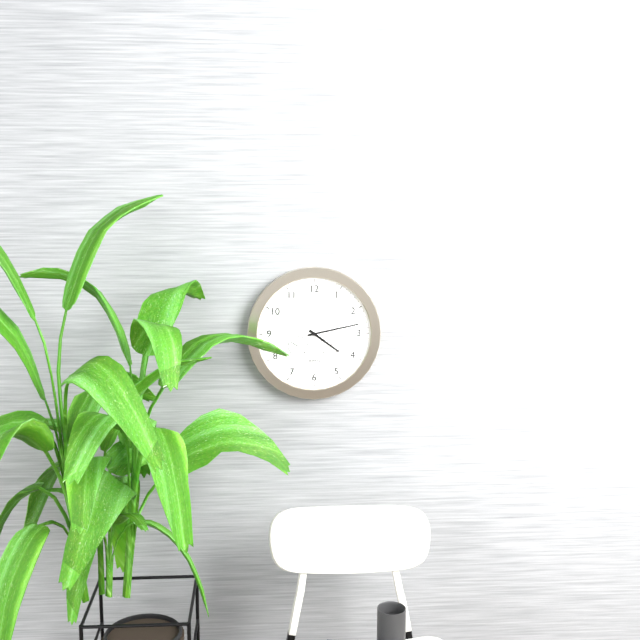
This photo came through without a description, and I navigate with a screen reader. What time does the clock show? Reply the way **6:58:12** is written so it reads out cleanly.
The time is **4:13:59**
